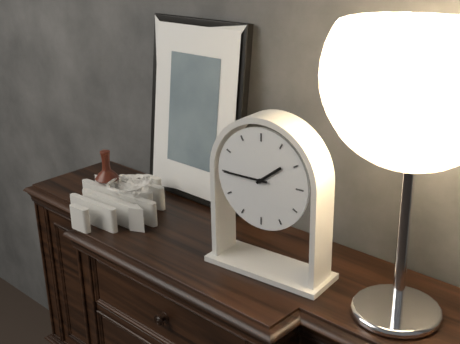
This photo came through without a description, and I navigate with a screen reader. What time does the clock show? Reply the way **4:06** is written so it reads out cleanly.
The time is **1:45**
